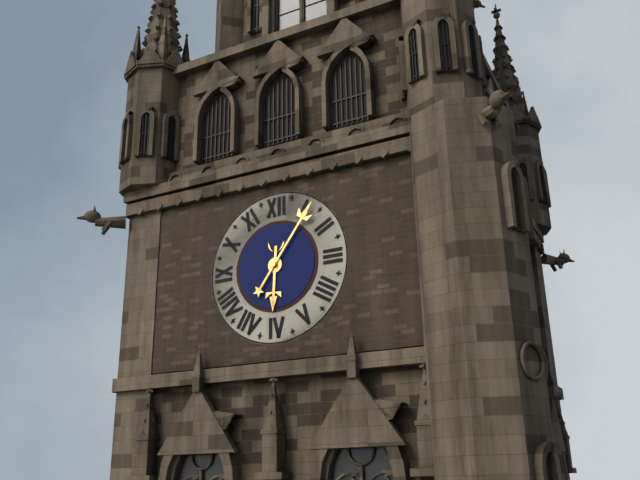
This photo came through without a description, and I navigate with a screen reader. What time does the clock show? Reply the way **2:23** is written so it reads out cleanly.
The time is **6:06**
